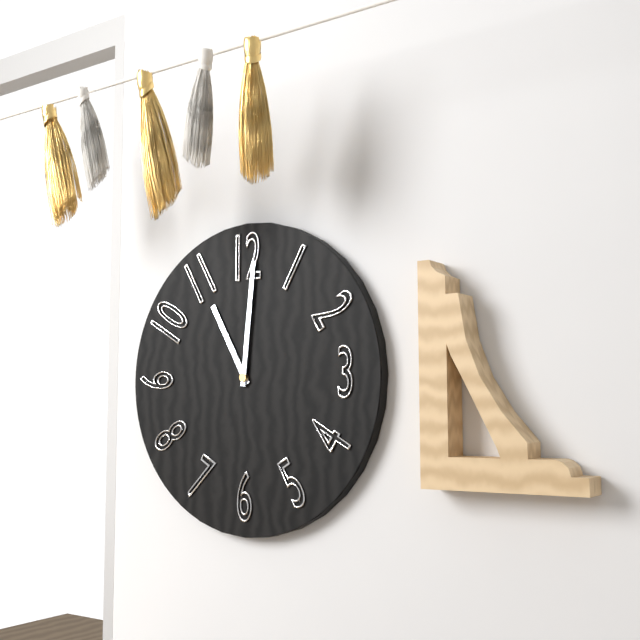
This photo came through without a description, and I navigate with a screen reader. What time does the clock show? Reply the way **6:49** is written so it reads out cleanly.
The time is **11:01**
